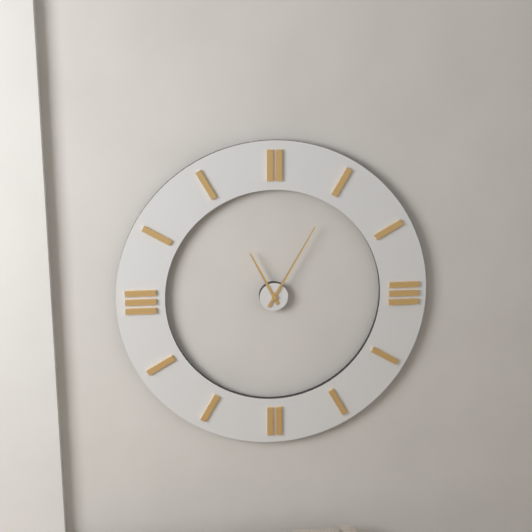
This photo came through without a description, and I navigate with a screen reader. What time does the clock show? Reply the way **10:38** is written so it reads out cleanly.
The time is **11:05**
